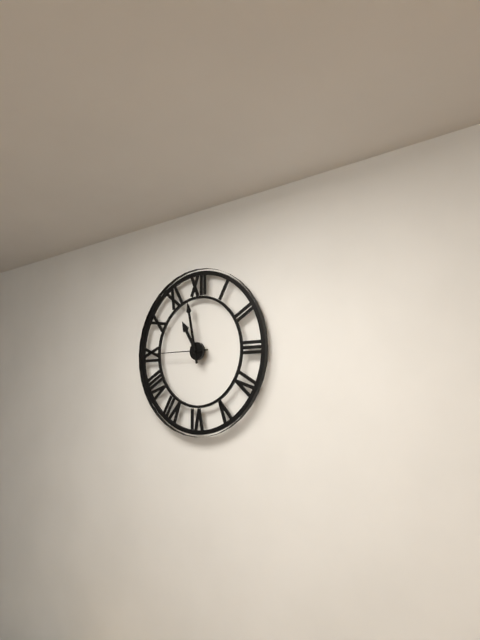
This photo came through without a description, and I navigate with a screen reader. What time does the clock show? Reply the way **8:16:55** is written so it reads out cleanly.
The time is **10:58:45**
